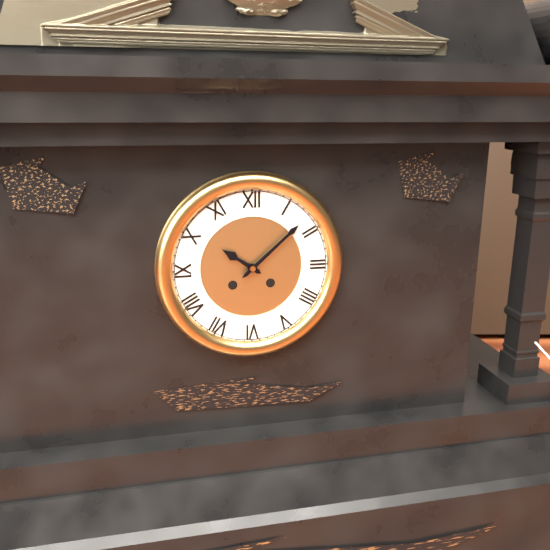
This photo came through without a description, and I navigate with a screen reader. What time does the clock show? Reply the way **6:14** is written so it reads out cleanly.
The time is **10:08**
